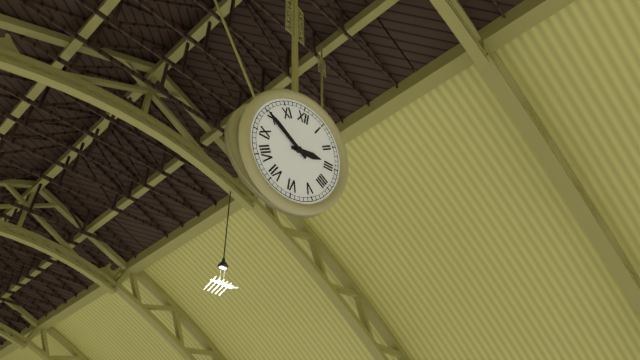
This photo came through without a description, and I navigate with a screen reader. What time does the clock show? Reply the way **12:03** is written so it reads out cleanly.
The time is **2:50**
